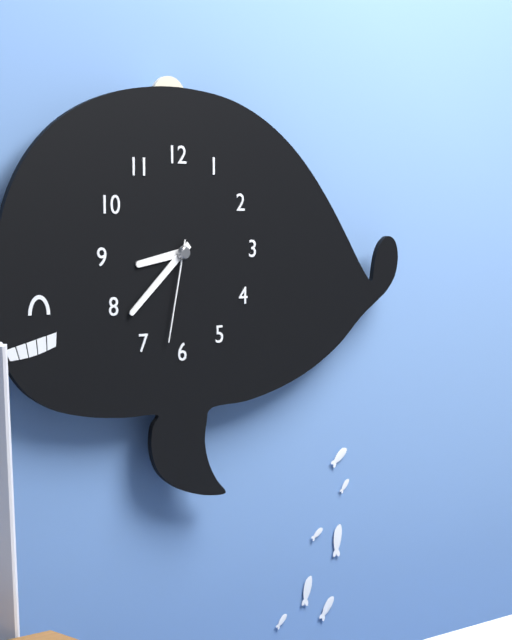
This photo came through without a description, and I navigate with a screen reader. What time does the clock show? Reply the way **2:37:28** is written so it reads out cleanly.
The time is **8:38:32**
